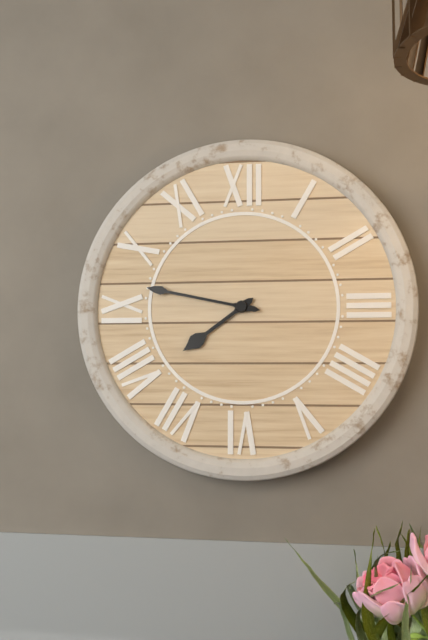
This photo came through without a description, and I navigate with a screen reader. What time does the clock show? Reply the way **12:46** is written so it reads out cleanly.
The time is **7:47**
